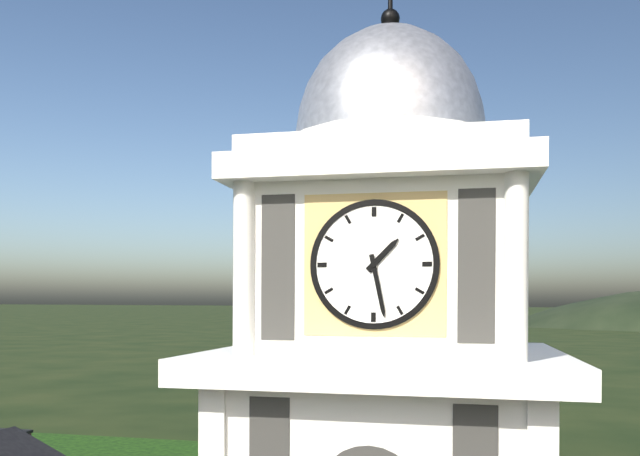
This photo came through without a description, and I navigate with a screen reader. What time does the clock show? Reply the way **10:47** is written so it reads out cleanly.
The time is **1:28**
